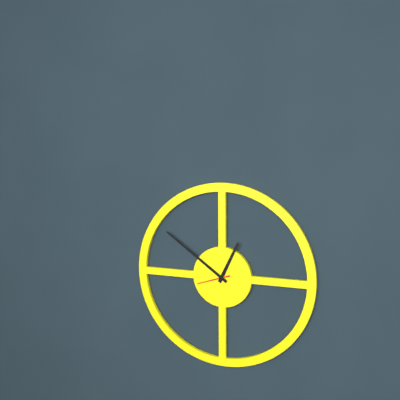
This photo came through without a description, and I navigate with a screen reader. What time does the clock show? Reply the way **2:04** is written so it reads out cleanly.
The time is **12:51**
